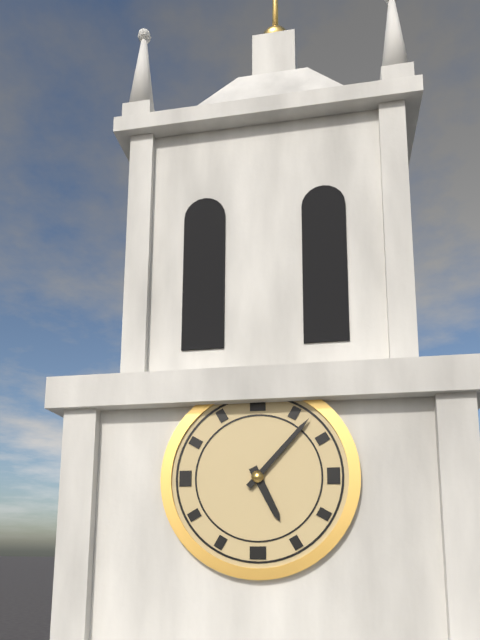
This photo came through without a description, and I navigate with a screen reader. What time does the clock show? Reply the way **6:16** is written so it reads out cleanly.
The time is **5:07**
